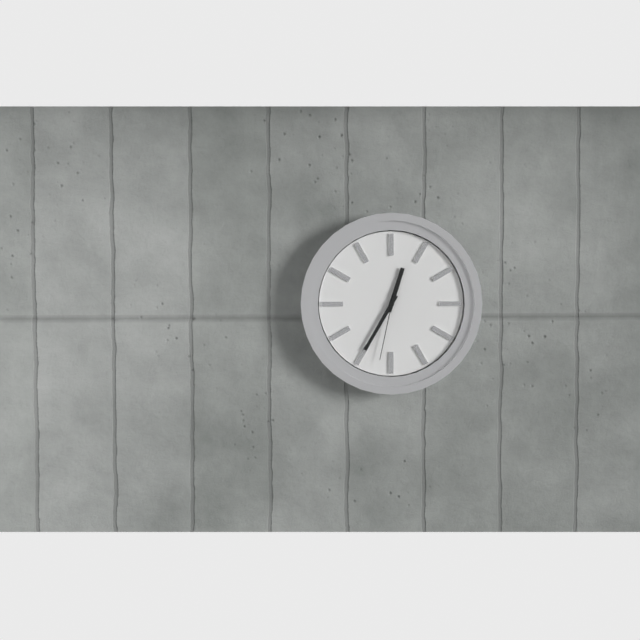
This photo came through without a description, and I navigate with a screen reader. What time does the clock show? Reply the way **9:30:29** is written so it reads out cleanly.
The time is **12:35:32**
